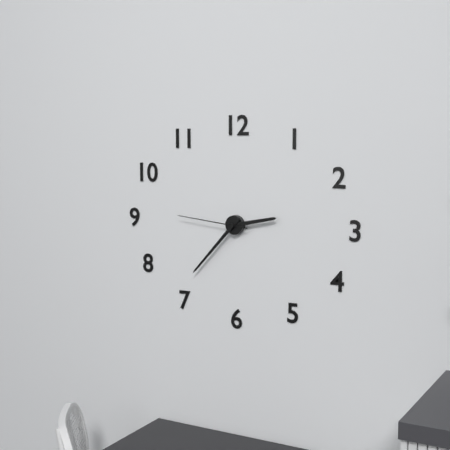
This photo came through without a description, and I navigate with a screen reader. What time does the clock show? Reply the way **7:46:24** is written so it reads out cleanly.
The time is **2:37:46**
